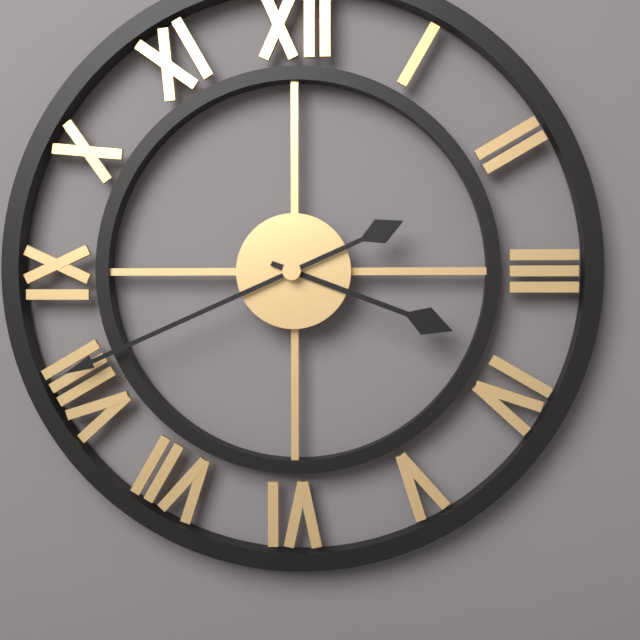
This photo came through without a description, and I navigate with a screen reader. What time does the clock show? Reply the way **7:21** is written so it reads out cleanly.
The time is **3:41**
